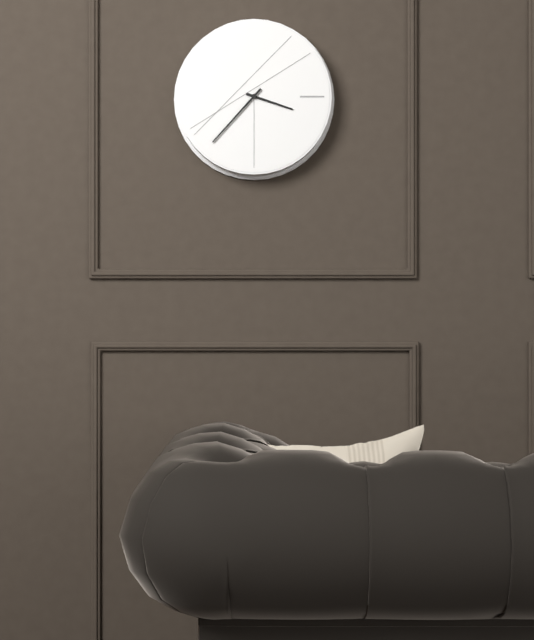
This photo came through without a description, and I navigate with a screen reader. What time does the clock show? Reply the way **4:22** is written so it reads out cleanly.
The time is **3:37**
